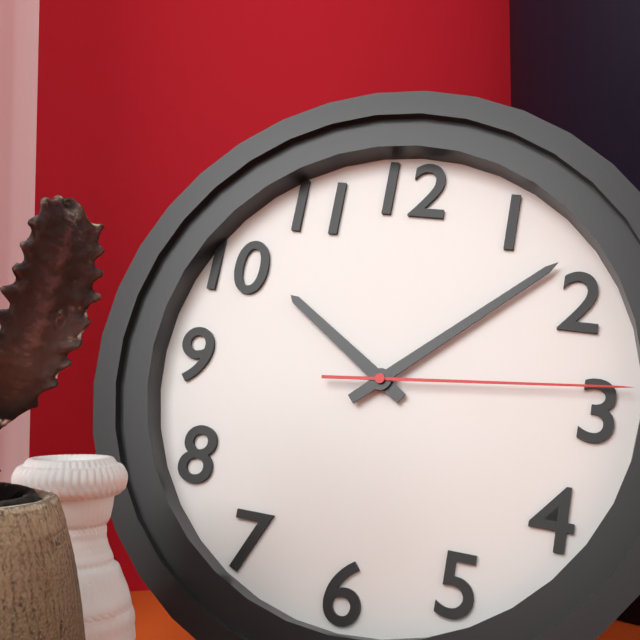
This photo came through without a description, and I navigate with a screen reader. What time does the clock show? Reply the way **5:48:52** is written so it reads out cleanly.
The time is **10:08:14**
